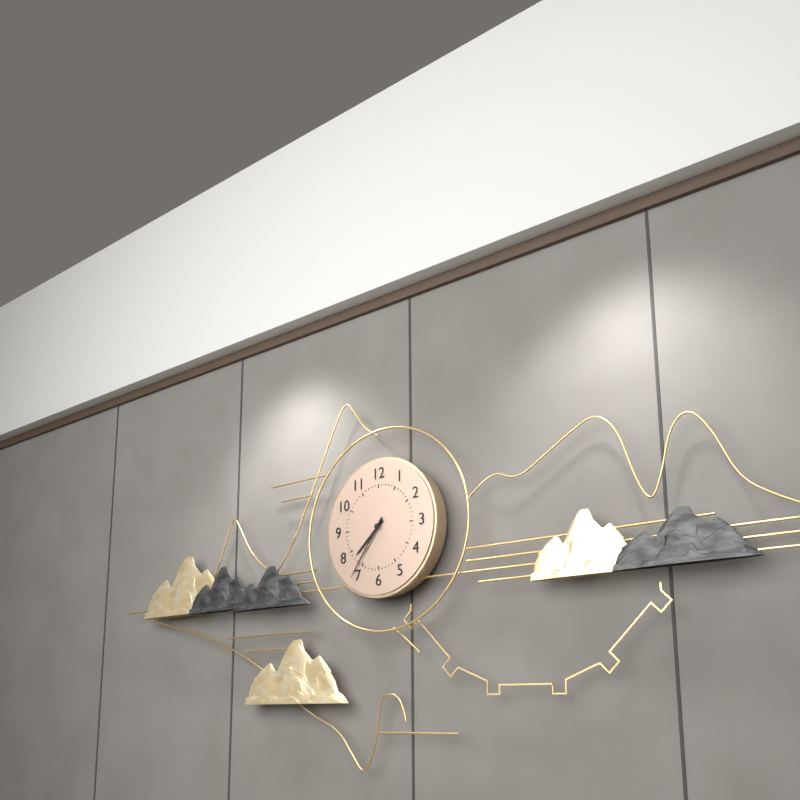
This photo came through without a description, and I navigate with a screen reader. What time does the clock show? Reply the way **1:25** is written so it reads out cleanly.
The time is **7:36**
